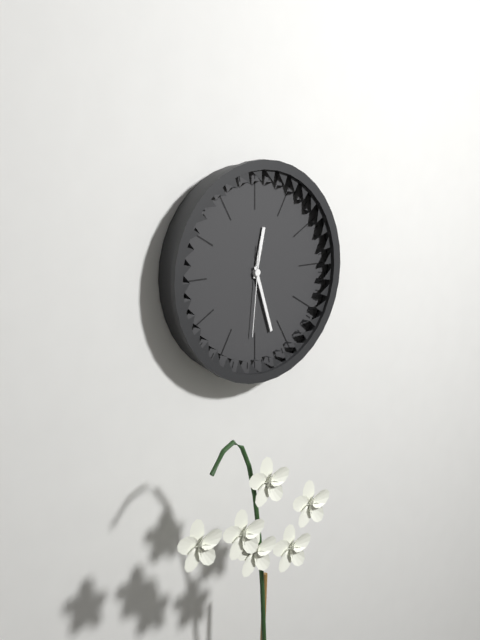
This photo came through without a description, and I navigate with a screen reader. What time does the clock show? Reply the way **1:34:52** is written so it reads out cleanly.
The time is **12:27:31**
